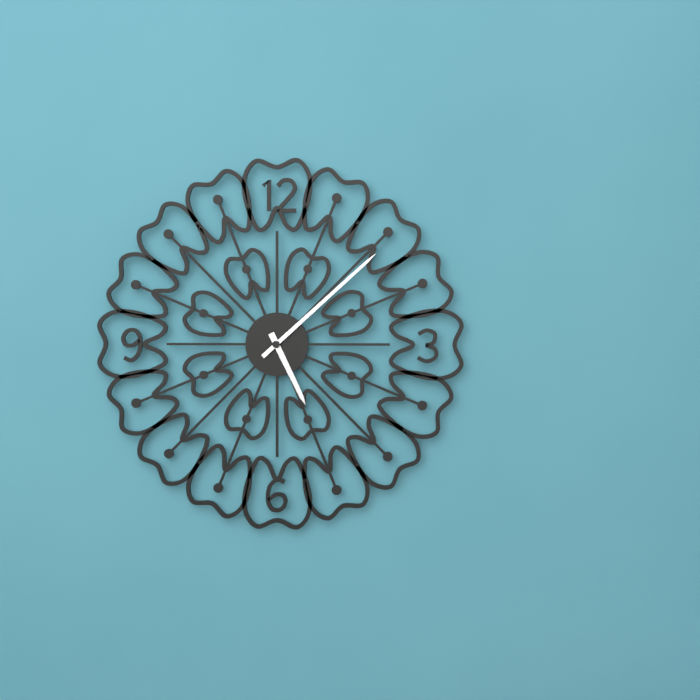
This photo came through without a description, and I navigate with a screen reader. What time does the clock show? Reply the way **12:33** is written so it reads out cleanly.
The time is **5:08**
